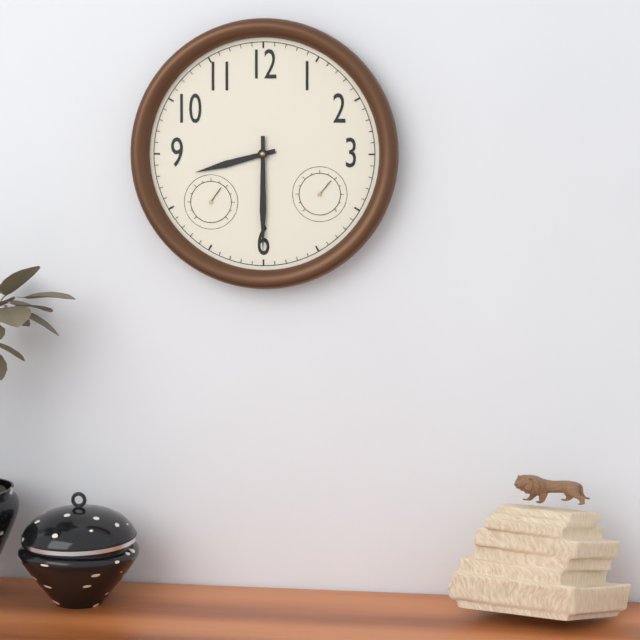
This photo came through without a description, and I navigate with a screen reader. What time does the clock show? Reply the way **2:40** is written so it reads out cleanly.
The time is **8:30**
